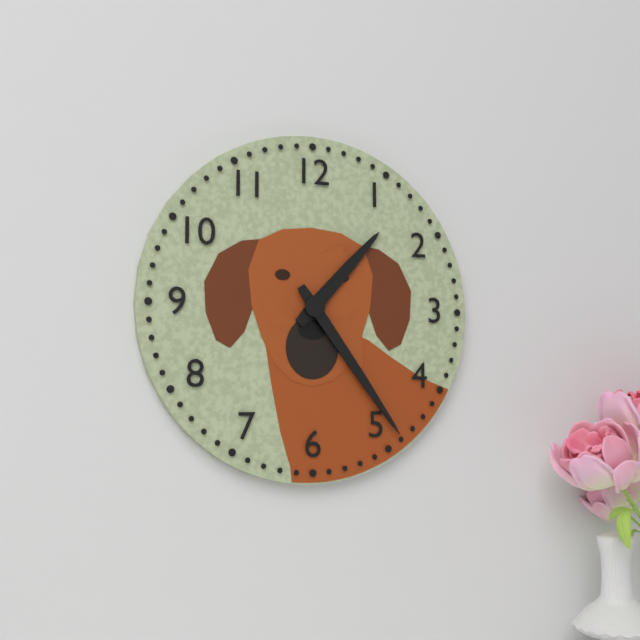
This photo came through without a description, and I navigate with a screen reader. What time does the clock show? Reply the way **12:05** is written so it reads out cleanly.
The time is **1:24**
